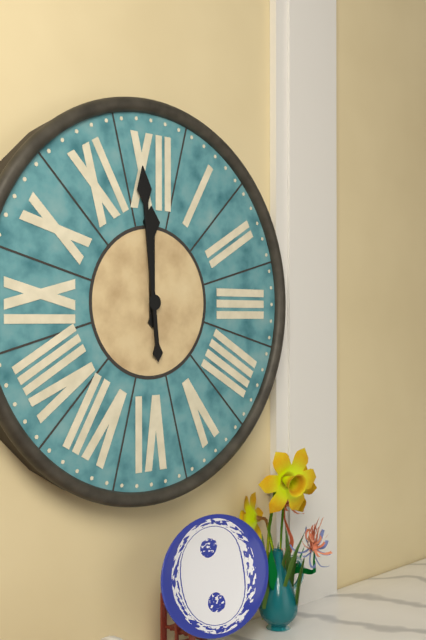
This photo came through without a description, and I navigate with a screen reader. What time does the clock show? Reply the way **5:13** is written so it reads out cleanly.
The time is **11:59**
